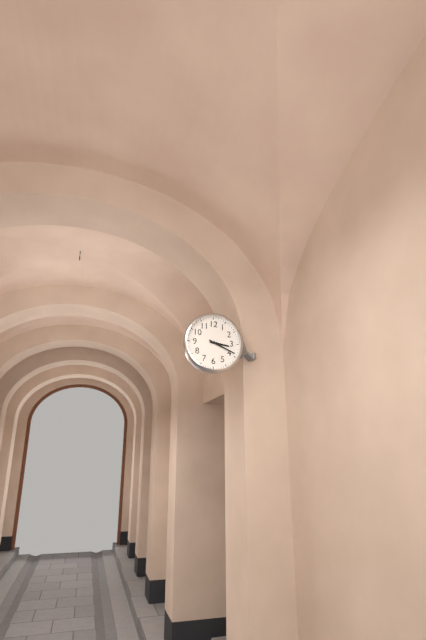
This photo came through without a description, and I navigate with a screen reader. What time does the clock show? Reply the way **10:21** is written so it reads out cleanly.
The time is **3:19**
